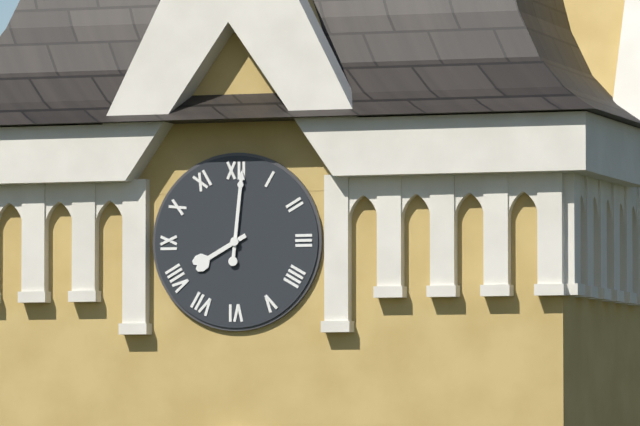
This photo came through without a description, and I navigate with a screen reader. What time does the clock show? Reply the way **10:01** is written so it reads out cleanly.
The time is **8:01**
